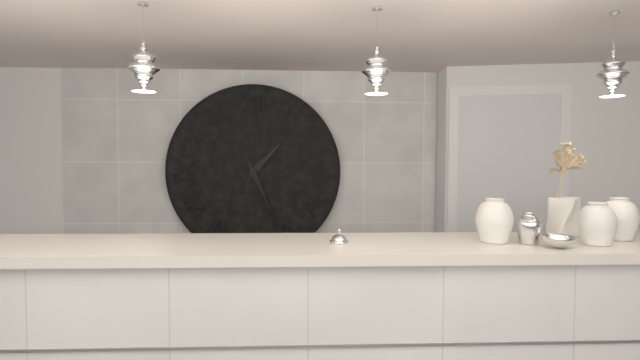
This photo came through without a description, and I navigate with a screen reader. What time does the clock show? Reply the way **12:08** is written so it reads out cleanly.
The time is **1:26**
